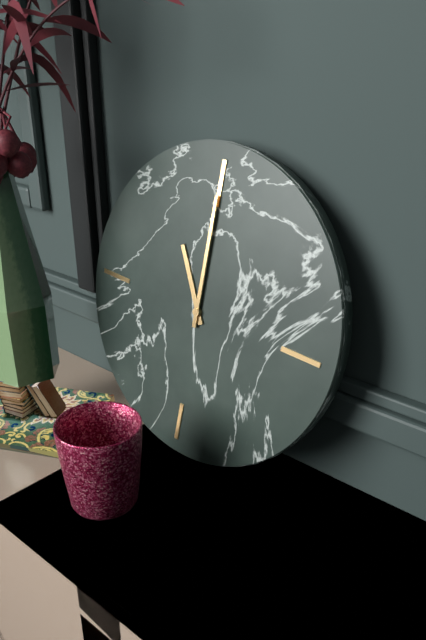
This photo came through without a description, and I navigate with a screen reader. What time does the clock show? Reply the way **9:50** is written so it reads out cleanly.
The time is **11:00**
